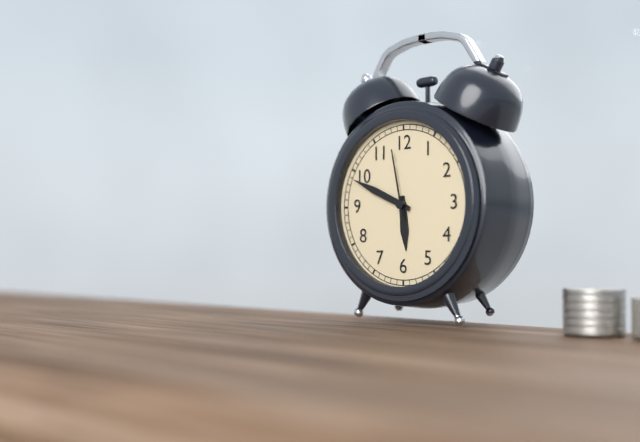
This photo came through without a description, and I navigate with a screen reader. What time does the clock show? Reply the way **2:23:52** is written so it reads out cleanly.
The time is **5:49:58**
